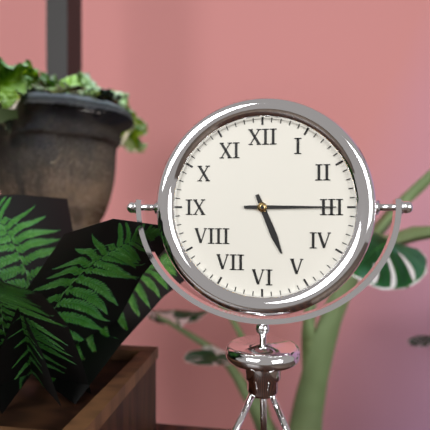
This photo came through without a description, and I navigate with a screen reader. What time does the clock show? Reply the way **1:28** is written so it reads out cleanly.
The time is **5:15**
